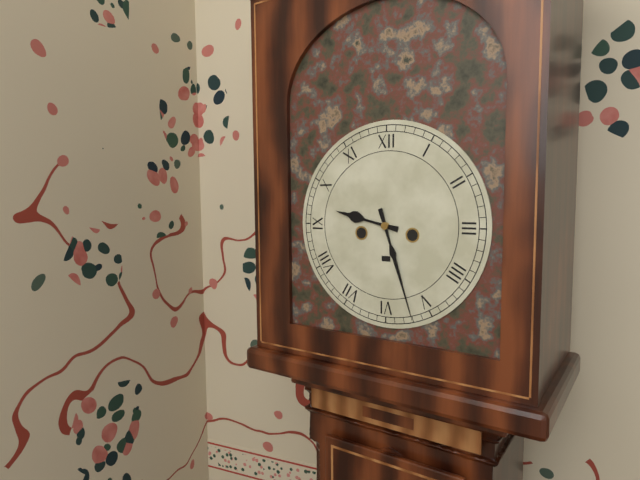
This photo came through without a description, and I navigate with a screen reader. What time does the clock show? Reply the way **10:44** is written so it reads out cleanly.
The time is **9:27**
